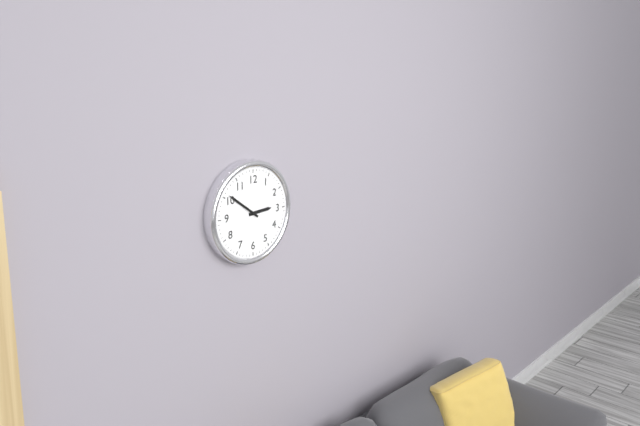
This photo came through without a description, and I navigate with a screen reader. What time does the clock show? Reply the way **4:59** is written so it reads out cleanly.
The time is **2:51**
